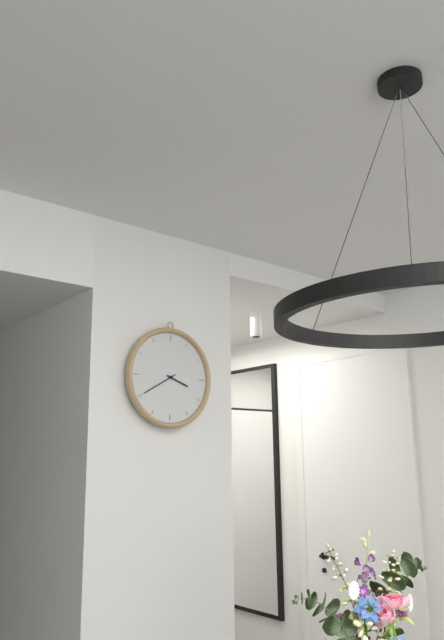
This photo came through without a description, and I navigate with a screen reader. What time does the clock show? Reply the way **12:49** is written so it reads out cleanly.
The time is **3:40**
